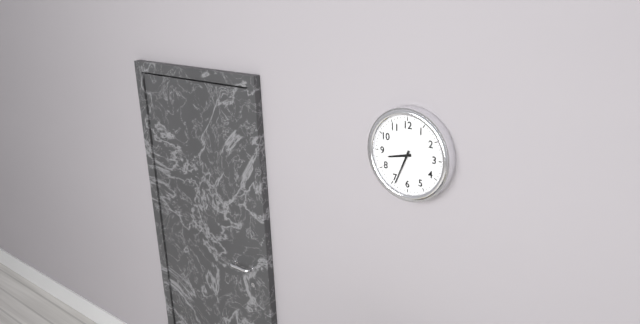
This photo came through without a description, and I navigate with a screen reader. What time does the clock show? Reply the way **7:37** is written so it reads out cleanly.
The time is **8:34**
